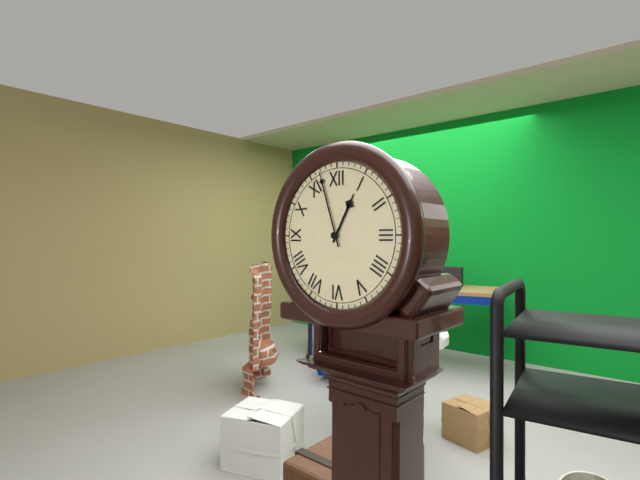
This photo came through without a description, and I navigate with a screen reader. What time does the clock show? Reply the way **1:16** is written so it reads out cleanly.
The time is **12:57**
